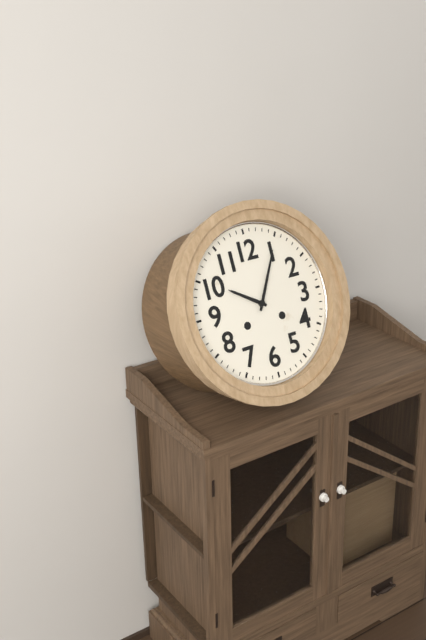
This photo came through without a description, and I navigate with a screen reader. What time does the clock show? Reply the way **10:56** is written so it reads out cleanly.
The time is **10:05**
